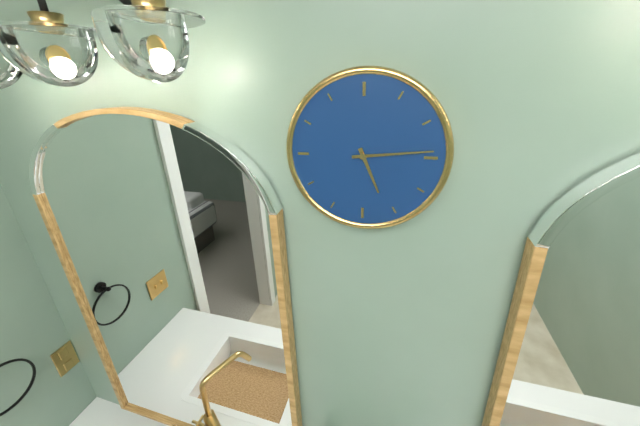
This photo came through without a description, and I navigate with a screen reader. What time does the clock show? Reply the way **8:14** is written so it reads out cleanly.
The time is **5:14**
